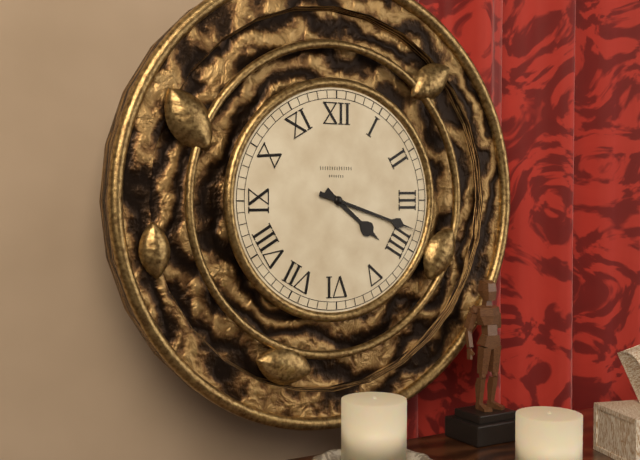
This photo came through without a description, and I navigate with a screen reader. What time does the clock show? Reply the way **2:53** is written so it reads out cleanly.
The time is **4:18**
